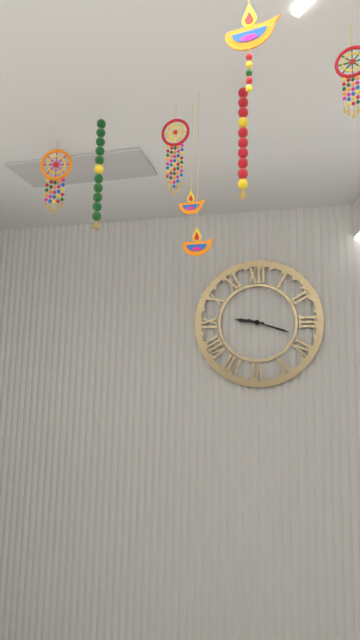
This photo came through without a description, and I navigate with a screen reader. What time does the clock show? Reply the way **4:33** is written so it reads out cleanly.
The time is **9:18**
